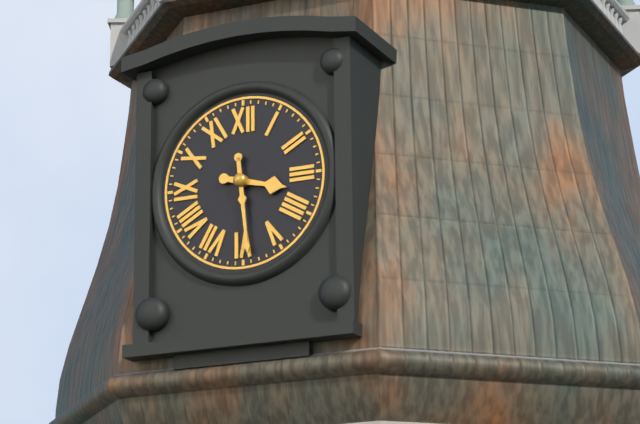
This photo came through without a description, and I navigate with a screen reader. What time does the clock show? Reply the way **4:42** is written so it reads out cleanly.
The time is **3:29**
